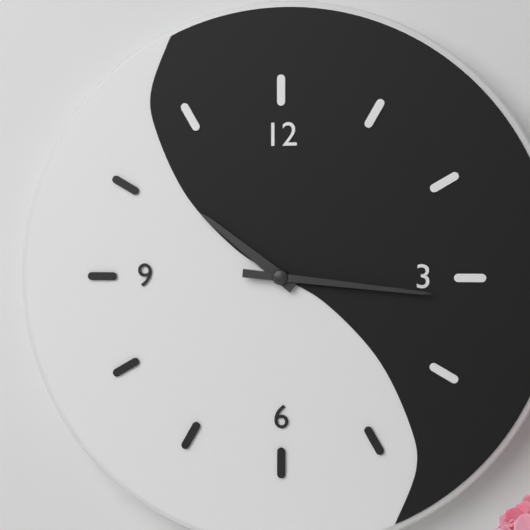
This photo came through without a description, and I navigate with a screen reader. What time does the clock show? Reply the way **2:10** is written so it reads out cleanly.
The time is **10:16**
